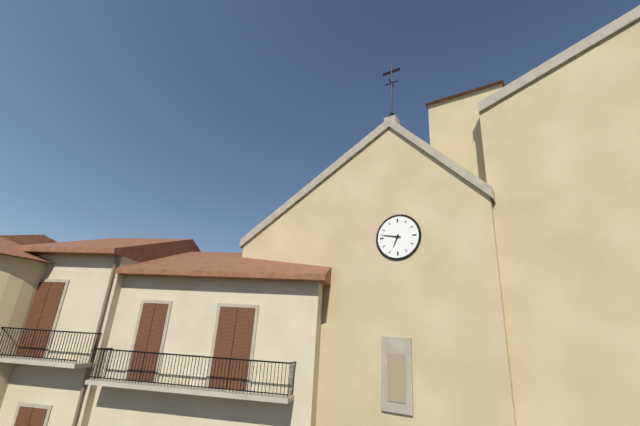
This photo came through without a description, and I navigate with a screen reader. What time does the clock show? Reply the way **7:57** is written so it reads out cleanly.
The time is **6:47**
